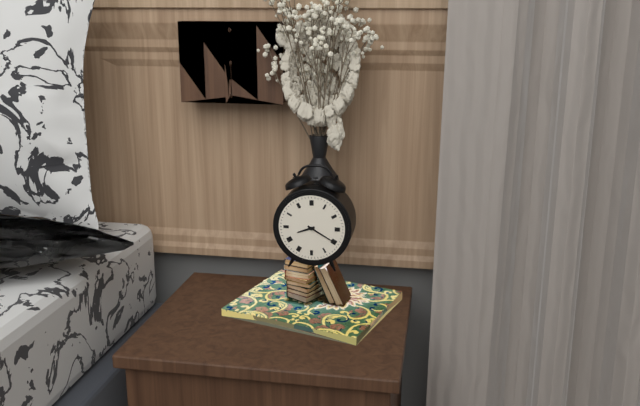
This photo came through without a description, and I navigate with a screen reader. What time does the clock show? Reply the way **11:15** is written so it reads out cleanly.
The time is **8:20**
